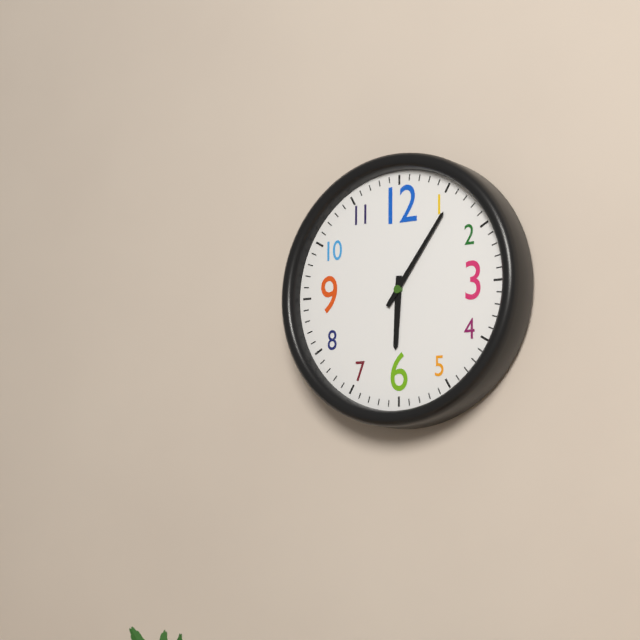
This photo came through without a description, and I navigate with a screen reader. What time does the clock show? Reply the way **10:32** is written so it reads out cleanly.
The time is **6:06**
